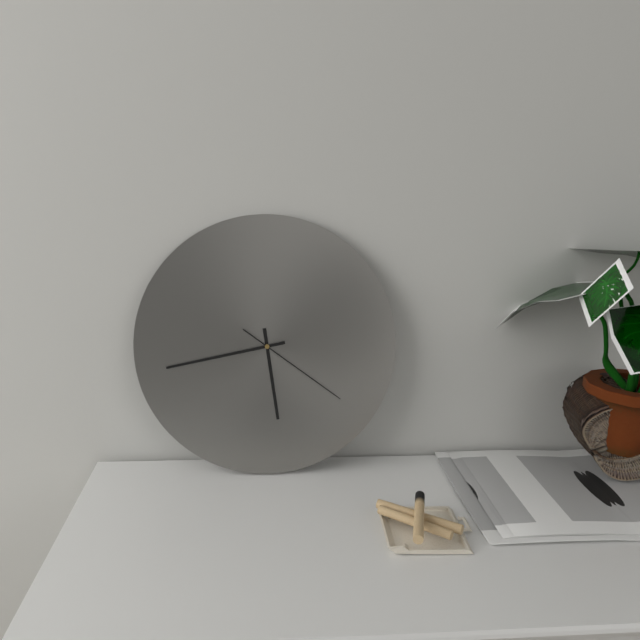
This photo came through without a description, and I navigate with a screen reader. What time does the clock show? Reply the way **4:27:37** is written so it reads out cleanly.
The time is **5:43:21**
